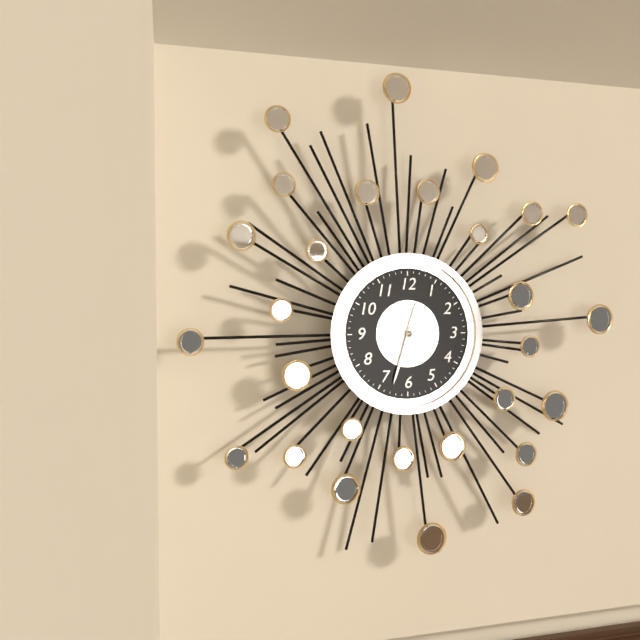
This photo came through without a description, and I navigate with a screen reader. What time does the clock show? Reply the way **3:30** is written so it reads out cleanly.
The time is **12:33**
